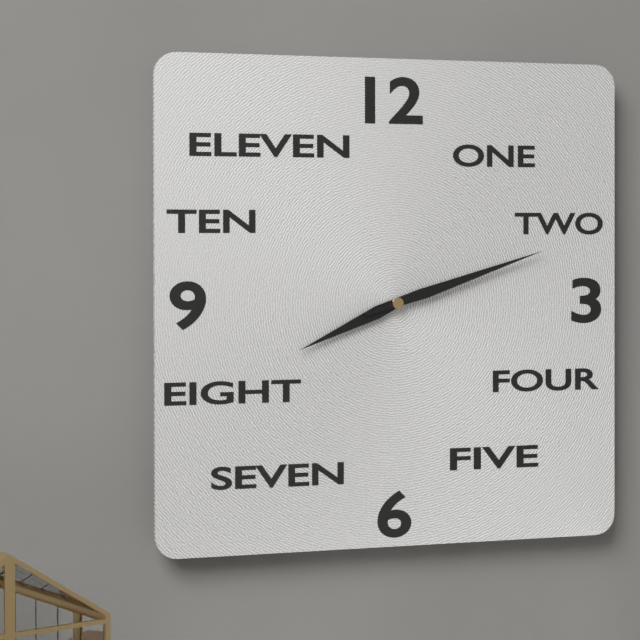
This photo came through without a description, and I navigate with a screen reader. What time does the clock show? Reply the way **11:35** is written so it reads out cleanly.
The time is **8:12**
